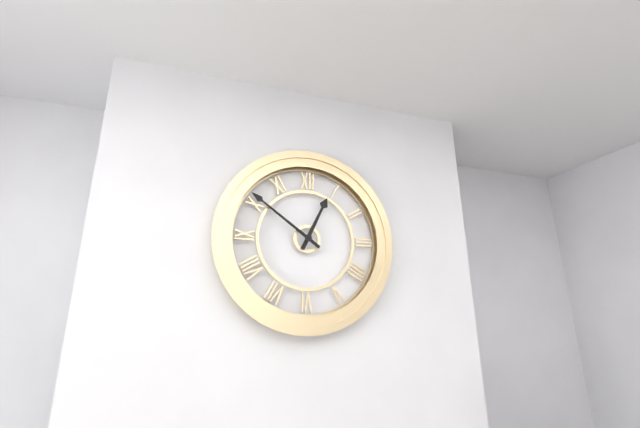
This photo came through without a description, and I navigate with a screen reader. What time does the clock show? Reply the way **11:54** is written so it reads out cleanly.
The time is **12:51**
